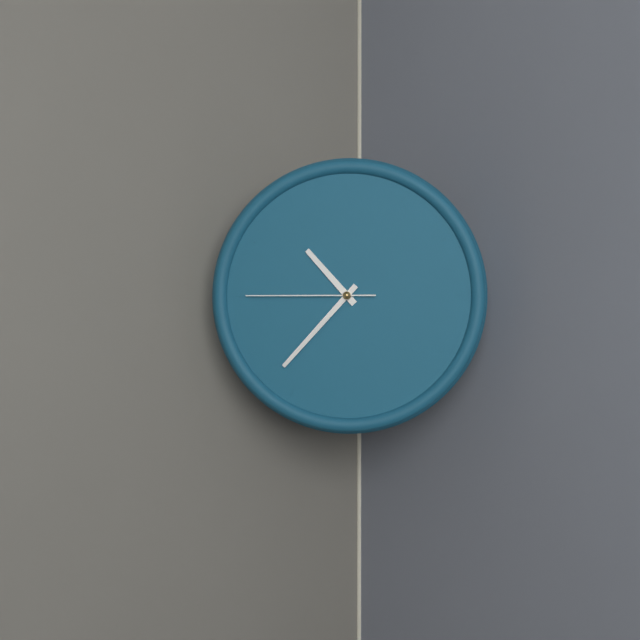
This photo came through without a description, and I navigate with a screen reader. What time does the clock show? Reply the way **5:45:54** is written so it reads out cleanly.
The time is **10:37:45**
